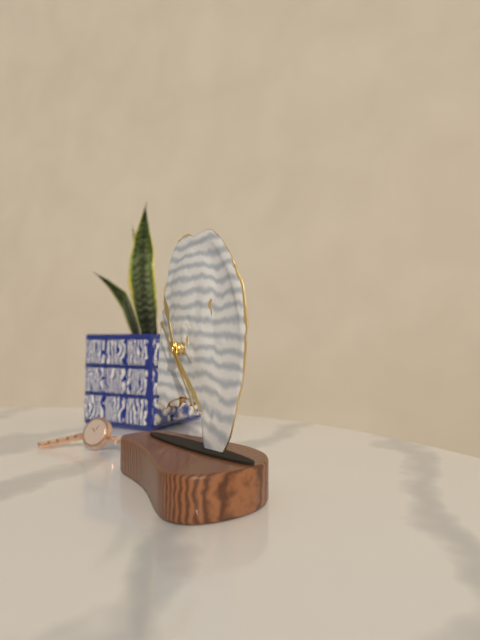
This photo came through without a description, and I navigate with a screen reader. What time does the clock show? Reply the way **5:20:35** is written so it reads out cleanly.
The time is **11:23:24**
